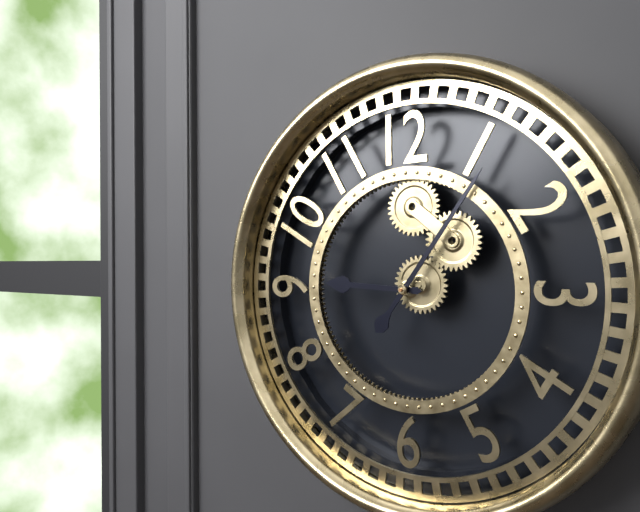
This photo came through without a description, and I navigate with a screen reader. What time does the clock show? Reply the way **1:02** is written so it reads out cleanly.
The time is **9:06**
